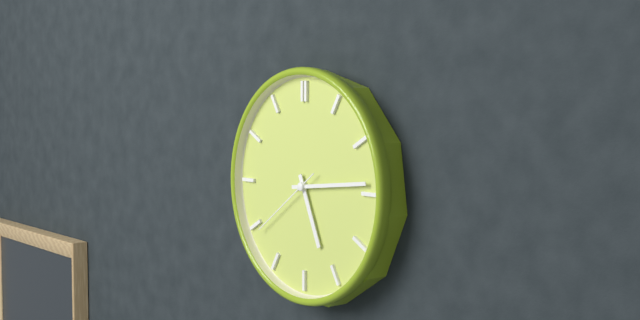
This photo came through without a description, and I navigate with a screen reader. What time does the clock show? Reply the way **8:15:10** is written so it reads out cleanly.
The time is **5:14:39**
